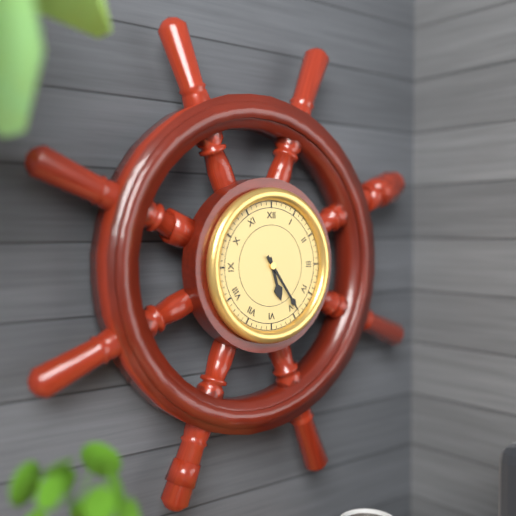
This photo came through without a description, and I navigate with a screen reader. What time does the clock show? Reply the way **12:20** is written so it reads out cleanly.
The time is **5:24**
